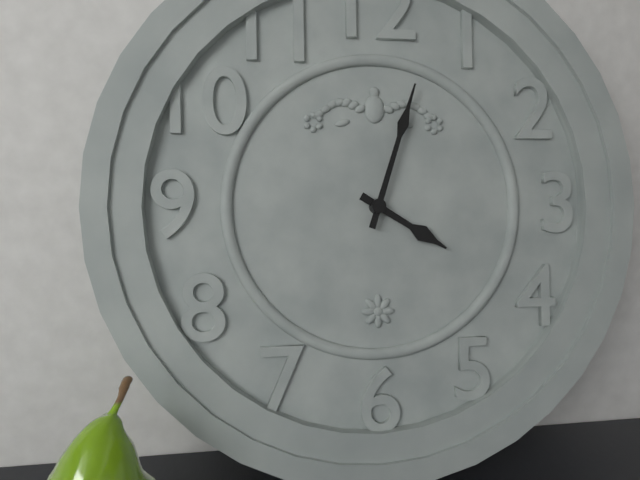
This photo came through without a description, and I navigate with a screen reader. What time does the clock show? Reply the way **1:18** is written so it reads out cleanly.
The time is **4:03**
